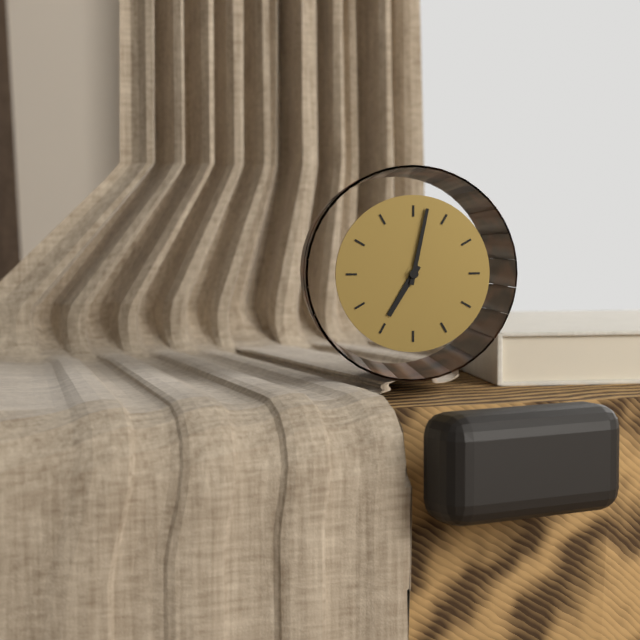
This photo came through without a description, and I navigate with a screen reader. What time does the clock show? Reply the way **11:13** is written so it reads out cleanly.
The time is **7:02**
